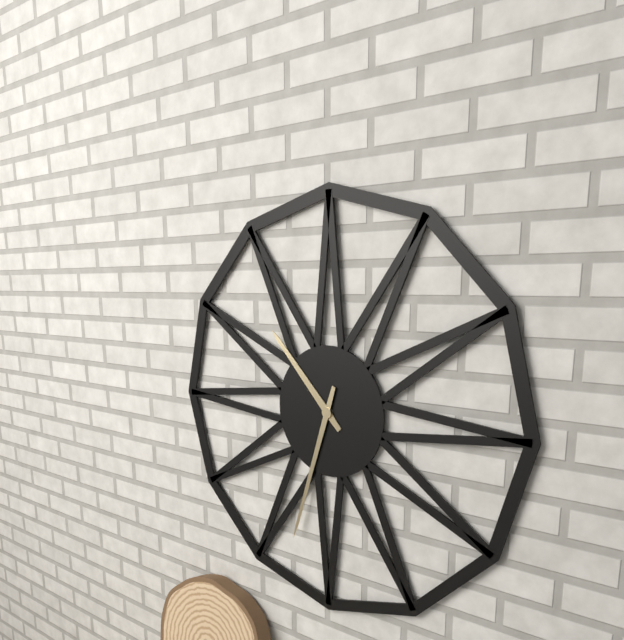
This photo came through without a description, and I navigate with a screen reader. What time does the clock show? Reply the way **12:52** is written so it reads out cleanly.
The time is **10:33**
